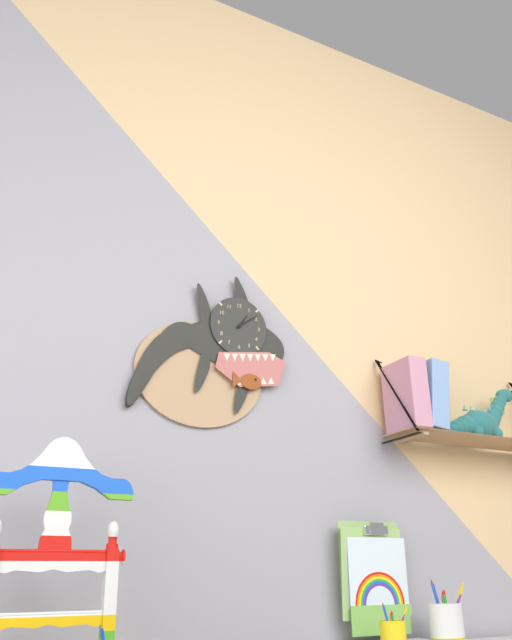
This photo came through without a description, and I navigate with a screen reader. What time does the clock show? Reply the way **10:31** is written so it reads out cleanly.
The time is **1:09**
